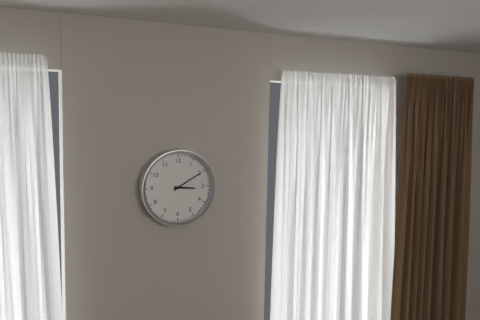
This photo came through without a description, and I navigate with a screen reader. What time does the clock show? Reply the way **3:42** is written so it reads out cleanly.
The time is **3:10**
